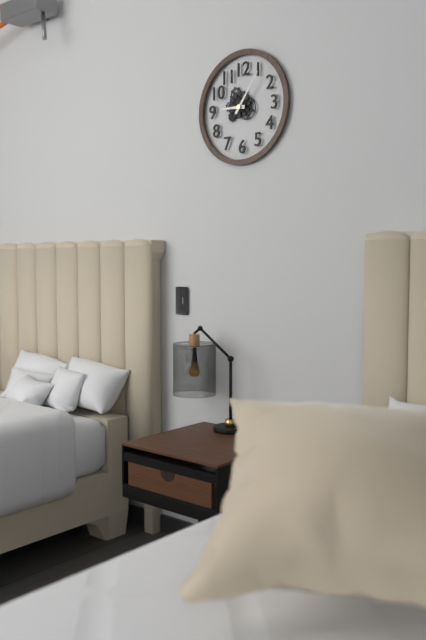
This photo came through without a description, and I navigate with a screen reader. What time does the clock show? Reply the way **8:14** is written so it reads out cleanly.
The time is **9:06**
